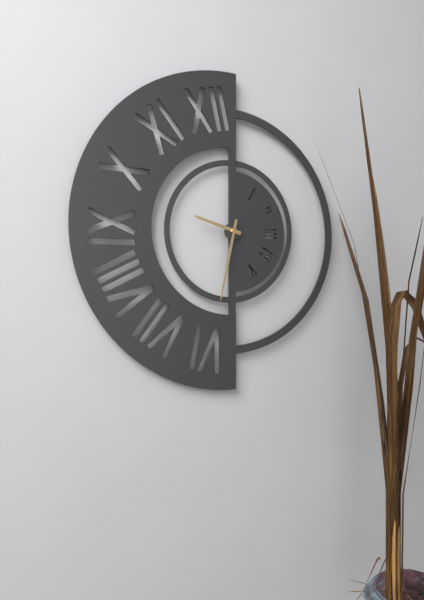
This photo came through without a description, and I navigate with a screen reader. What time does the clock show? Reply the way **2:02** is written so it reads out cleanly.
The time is **9:32**
